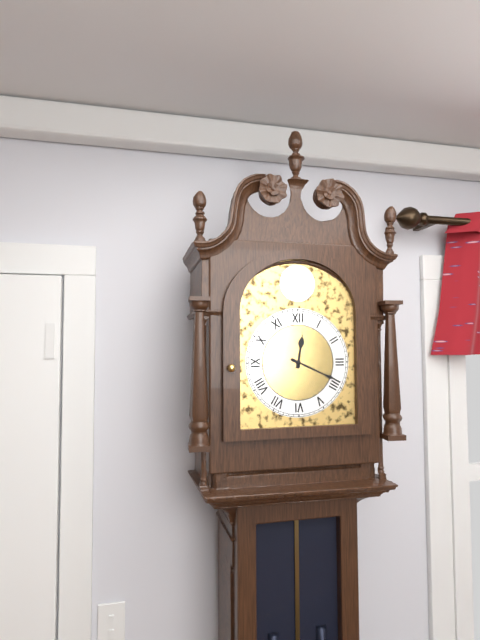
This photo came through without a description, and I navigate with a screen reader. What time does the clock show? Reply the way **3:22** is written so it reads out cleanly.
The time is **12:19**
